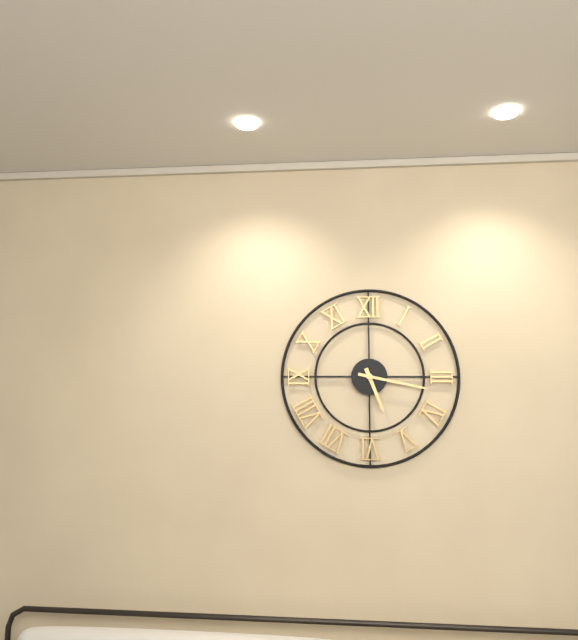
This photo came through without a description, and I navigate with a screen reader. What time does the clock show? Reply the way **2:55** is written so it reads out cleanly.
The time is **5:17**
